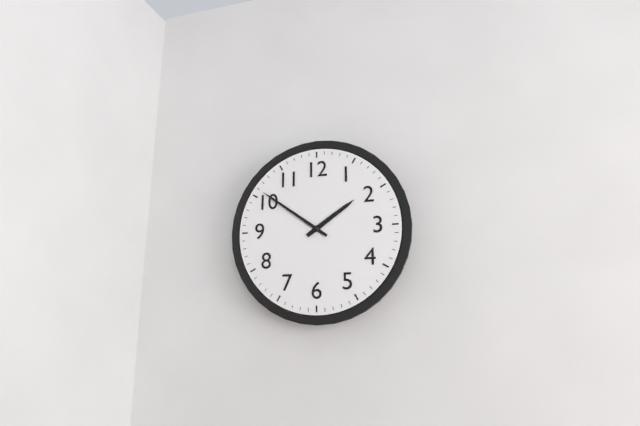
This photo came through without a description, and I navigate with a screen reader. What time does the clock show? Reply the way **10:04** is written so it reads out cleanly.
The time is **1:51**
